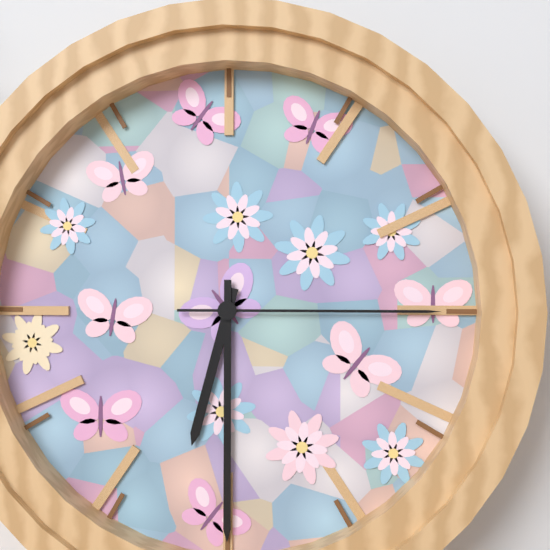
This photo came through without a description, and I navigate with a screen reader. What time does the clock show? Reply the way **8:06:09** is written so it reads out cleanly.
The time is **6:30:15**
